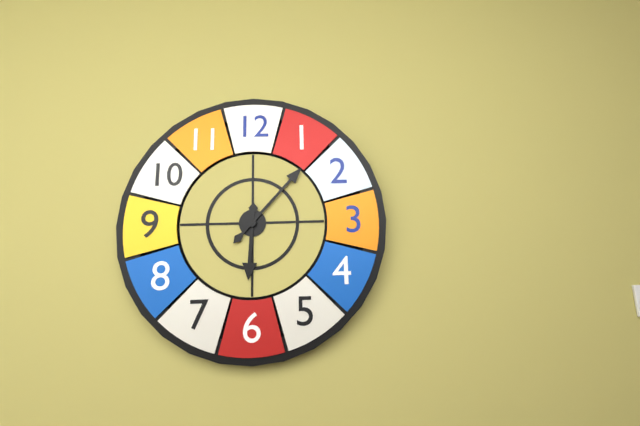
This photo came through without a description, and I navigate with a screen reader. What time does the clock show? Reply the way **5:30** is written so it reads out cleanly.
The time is **6:07**
